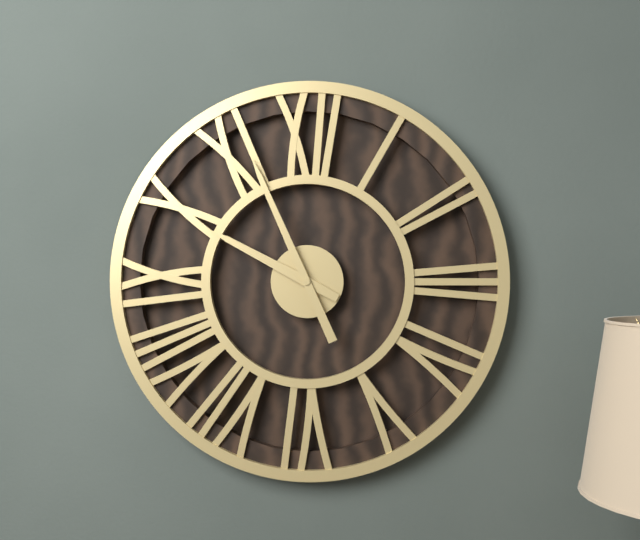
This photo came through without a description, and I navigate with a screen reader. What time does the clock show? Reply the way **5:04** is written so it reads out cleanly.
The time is **9:56**
